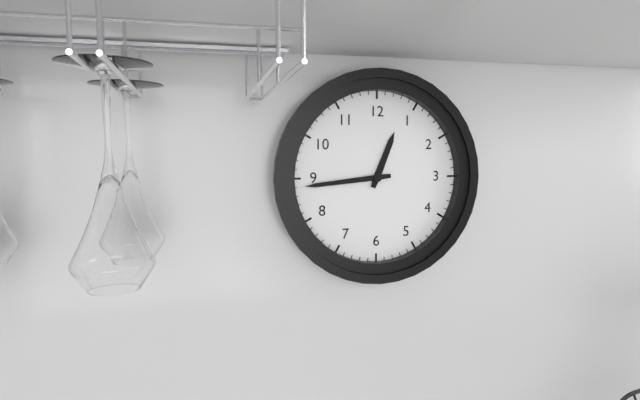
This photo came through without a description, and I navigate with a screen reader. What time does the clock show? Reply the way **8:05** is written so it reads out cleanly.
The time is **12:44**
